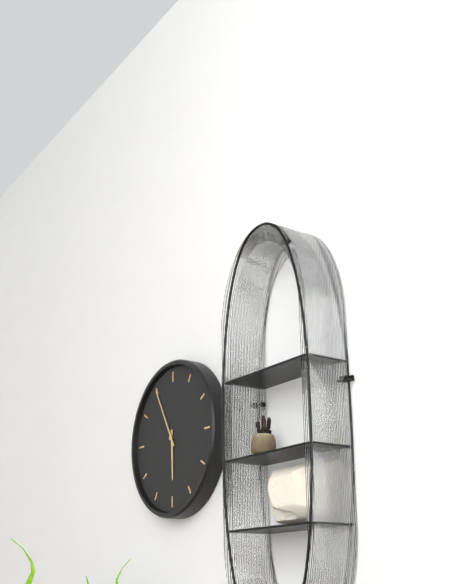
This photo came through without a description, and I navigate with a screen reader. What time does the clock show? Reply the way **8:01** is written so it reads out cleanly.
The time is **5:55**
